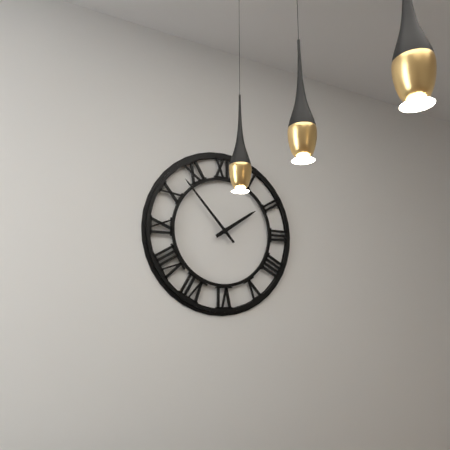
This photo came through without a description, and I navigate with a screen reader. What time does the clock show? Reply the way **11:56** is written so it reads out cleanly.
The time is **1:53**
